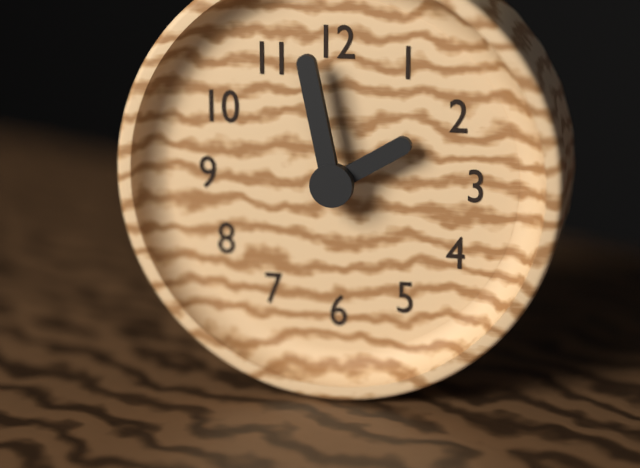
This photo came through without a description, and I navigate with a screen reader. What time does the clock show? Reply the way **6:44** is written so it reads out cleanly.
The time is **1:58**
